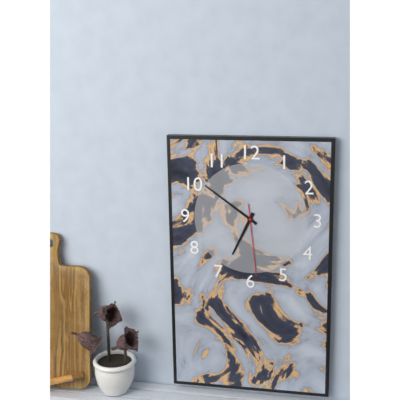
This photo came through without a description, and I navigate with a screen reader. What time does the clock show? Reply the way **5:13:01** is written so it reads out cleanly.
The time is **6:51:29**
